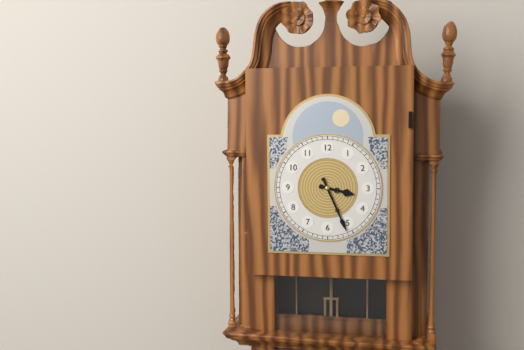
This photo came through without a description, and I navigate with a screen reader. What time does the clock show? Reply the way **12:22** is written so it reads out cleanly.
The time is **3:26**
